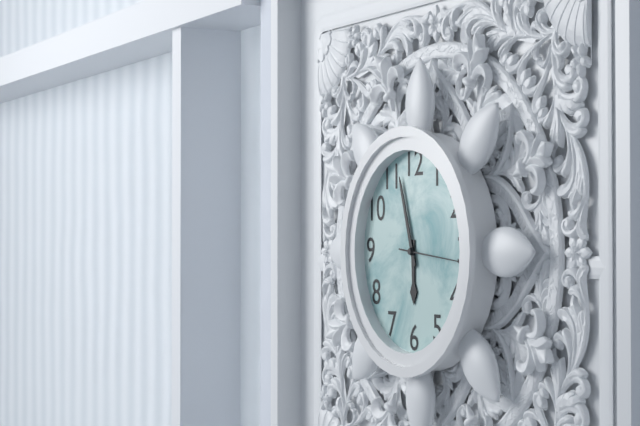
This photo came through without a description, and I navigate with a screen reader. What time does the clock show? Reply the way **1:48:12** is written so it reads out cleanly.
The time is **5:57:16**
